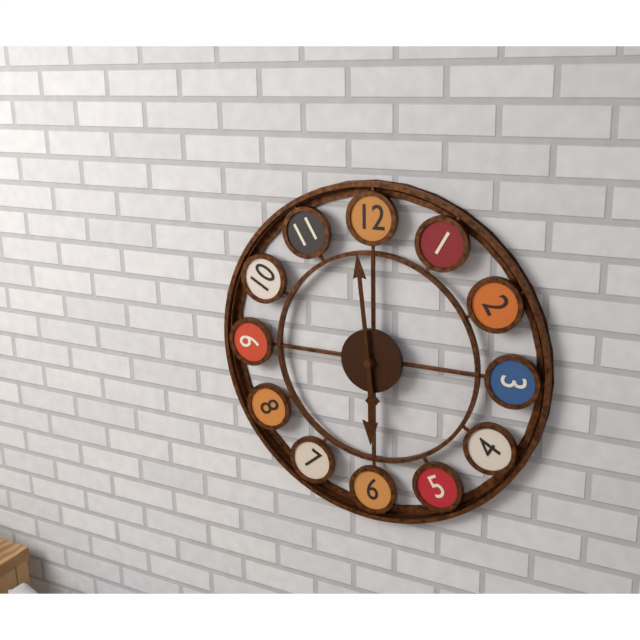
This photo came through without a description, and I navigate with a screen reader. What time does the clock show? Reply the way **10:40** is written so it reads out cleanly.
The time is **5:59**
